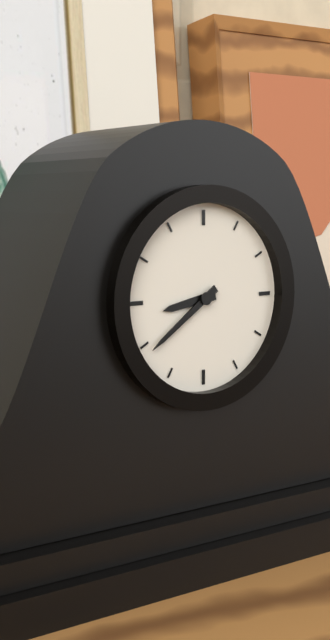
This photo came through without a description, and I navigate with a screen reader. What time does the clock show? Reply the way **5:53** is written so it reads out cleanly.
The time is **8:39**
